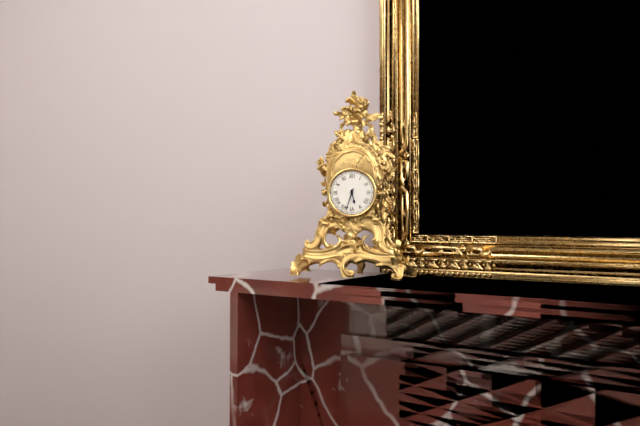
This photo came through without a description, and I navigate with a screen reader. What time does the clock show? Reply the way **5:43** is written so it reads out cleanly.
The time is **5:33**
